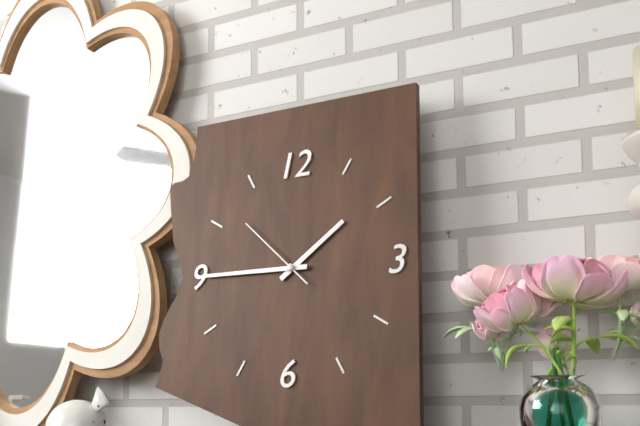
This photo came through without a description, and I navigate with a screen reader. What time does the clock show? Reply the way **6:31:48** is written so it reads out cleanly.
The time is **1:45:52**
